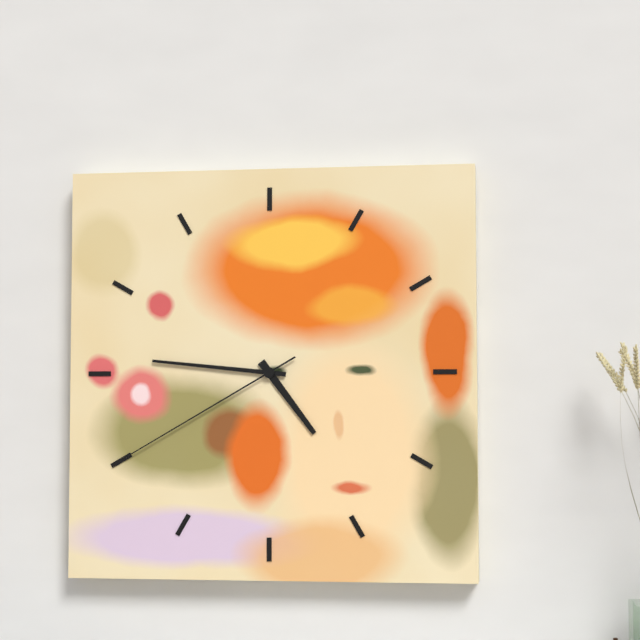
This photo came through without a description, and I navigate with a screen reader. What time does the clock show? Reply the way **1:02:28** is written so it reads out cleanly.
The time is **4:46:40**
